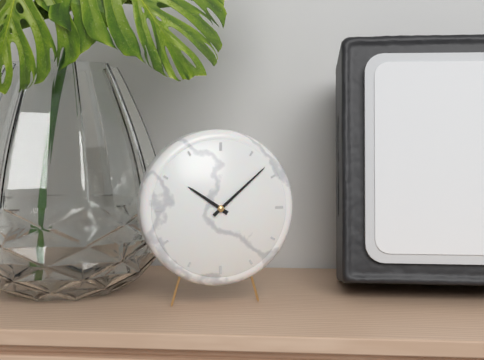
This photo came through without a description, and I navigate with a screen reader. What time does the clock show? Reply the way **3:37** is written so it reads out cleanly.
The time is **10:08**
